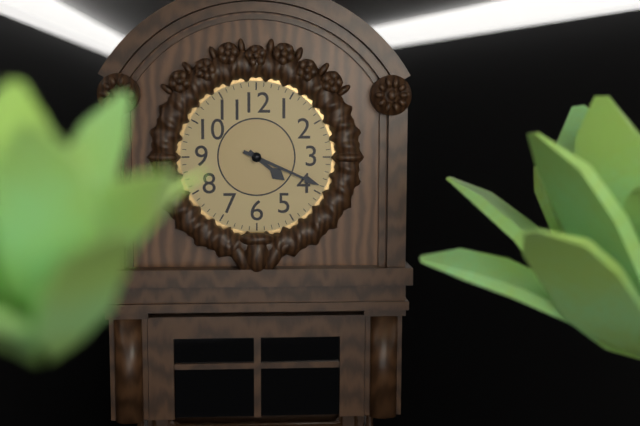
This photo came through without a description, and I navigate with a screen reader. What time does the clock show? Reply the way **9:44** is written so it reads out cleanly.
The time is **4:19**
